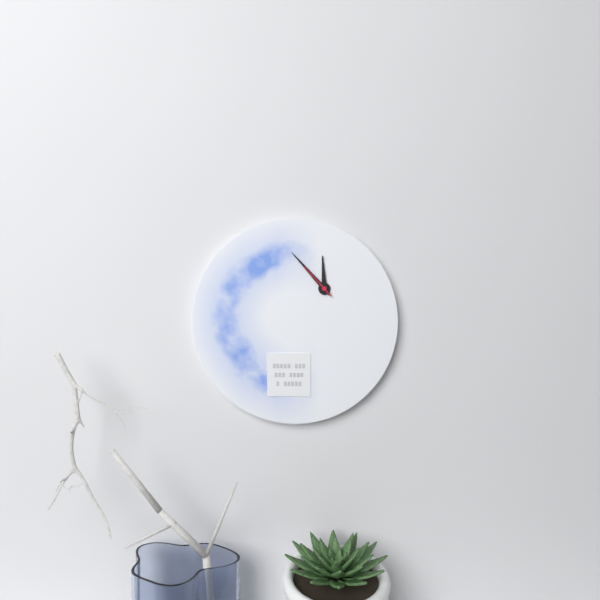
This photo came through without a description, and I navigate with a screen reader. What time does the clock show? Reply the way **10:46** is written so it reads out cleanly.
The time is **11:53**
